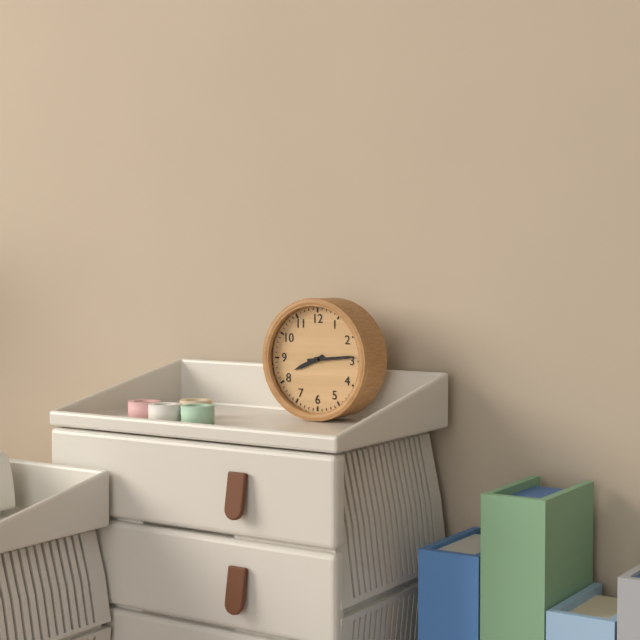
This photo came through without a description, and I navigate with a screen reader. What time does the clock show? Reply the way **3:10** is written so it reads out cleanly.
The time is **8:14**
